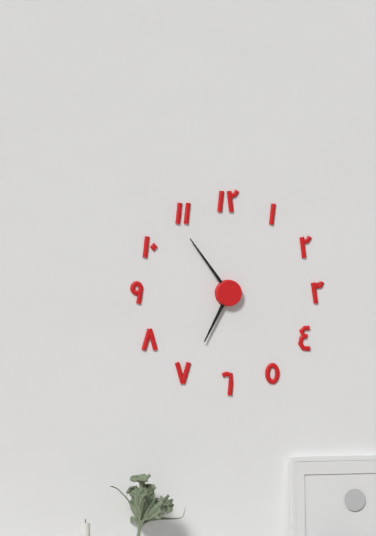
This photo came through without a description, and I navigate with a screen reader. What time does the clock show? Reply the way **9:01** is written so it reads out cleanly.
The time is **6:54**
